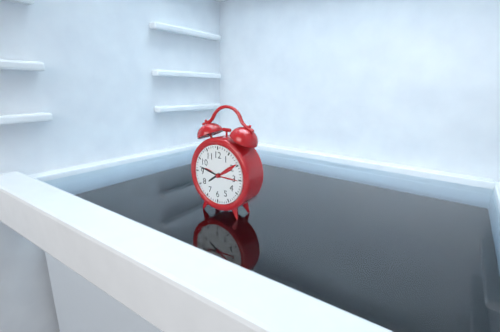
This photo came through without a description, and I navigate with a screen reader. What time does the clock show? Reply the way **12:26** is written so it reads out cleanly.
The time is **7:47**
